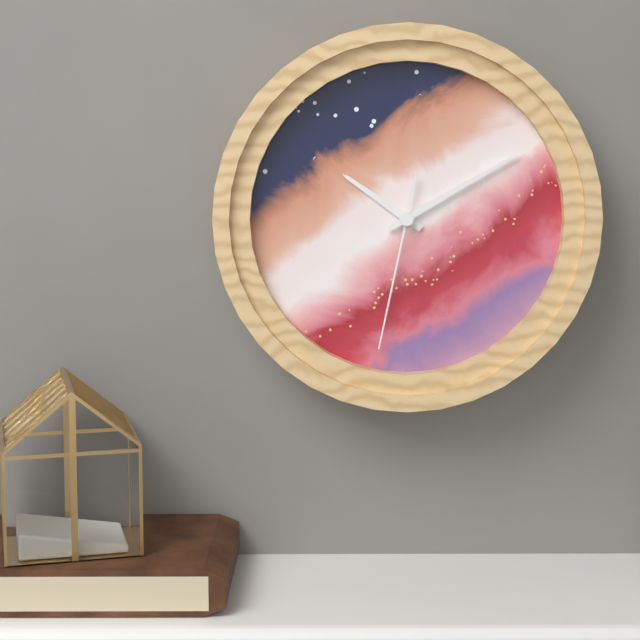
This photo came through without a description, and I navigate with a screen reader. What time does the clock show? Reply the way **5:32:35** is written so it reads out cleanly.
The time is **10:10:32**
